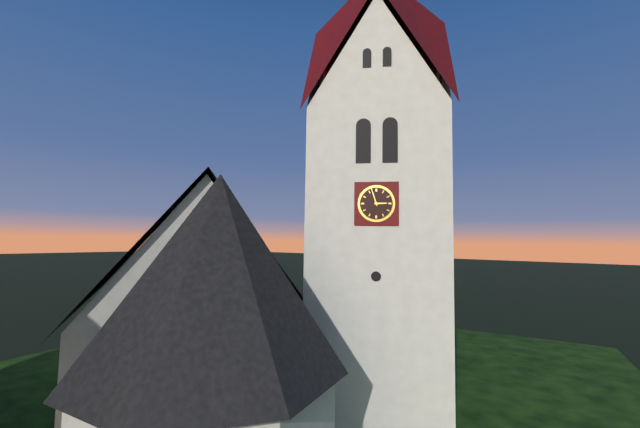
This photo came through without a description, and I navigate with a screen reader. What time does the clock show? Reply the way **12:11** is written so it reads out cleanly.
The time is **2:57**
